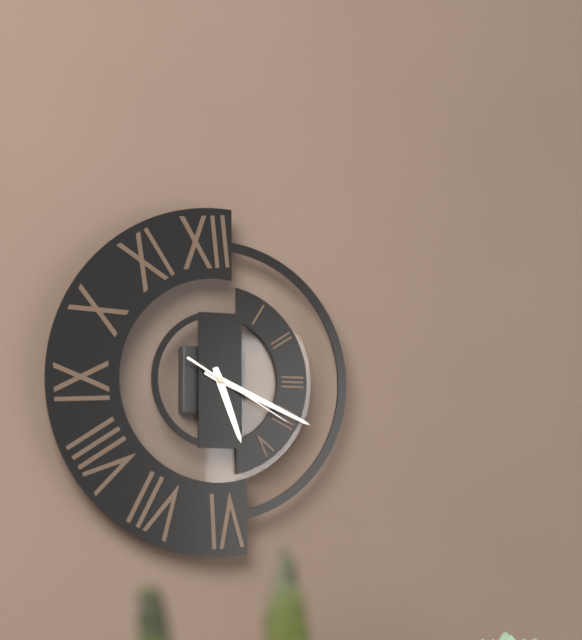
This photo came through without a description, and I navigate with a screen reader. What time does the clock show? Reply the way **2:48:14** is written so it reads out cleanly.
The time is **5:19:20**
